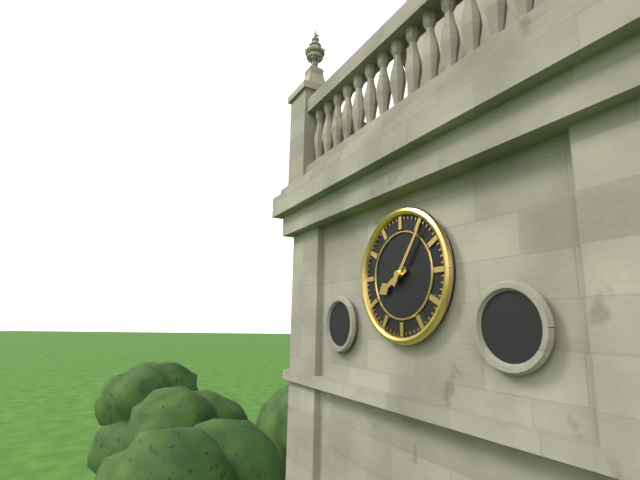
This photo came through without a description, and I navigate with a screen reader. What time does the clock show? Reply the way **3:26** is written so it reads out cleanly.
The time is **8:06**
